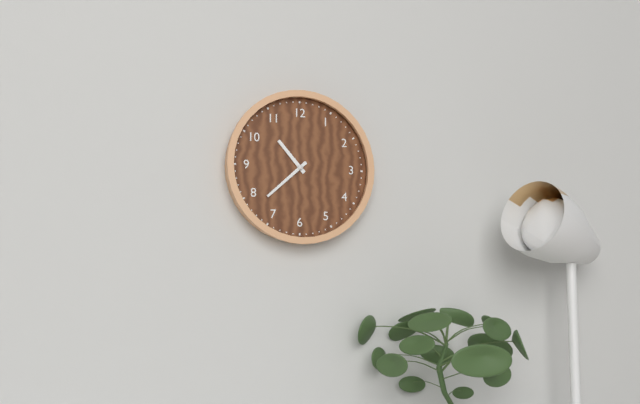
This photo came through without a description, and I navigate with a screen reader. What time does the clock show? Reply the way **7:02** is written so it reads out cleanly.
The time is **10:38**
